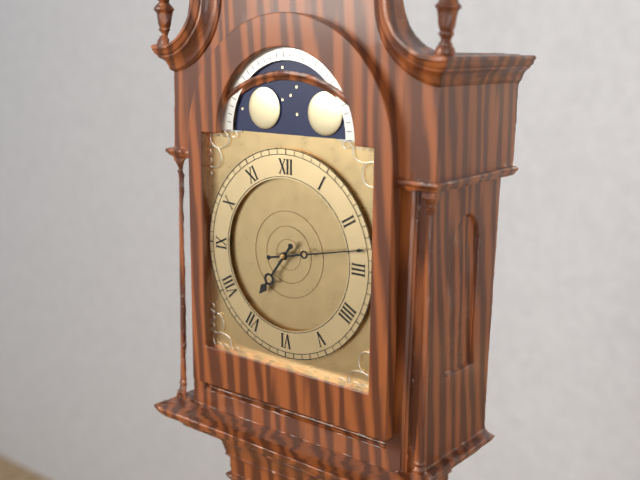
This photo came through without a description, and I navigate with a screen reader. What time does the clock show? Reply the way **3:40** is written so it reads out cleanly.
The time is **7:13**
